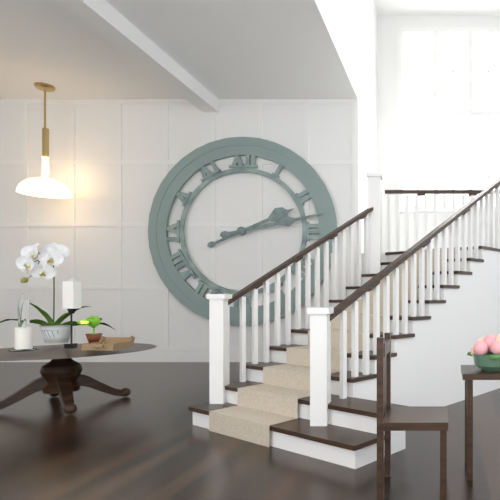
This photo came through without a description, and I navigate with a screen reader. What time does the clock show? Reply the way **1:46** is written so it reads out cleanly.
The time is **2:13**
